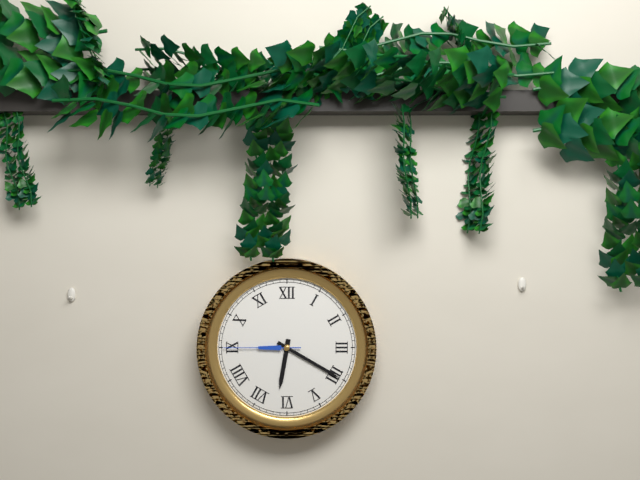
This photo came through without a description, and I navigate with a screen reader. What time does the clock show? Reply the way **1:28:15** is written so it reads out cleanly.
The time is **6:20:45**
